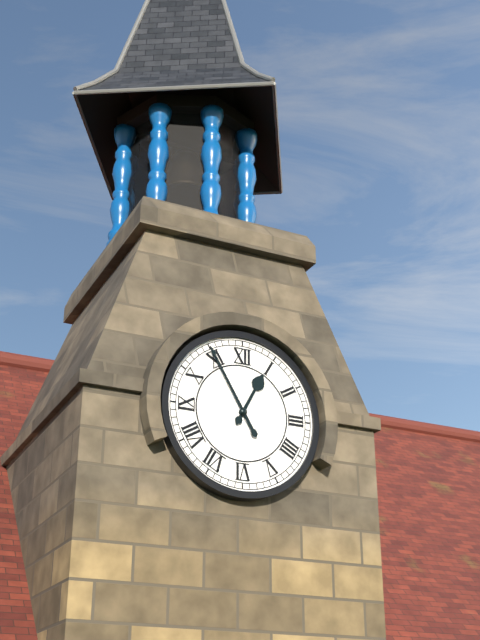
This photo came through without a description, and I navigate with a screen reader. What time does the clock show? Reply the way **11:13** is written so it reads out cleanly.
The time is **12:55**
